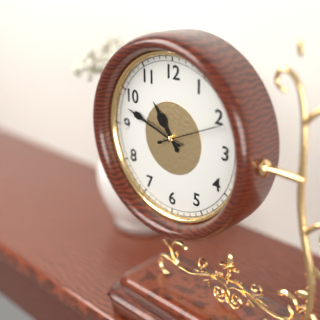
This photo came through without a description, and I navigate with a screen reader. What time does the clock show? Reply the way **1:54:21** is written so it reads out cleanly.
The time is **10:48:11**
